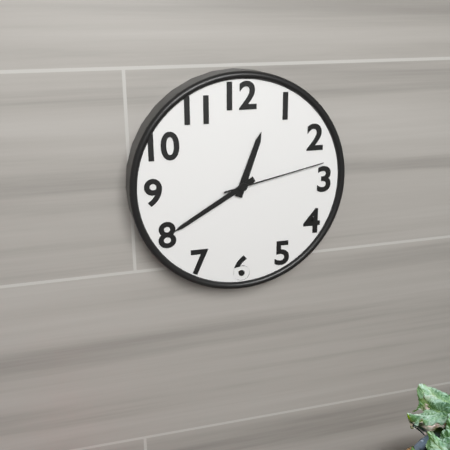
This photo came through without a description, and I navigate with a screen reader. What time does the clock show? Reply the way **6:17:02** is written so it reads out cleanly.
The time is **12:40:13**
